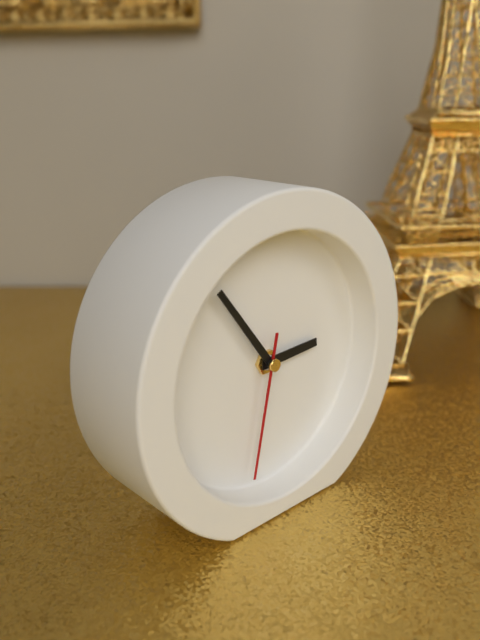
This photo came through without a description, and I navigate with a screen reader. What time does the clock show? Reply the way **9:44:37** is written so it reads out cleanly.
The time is **2:54:32**
